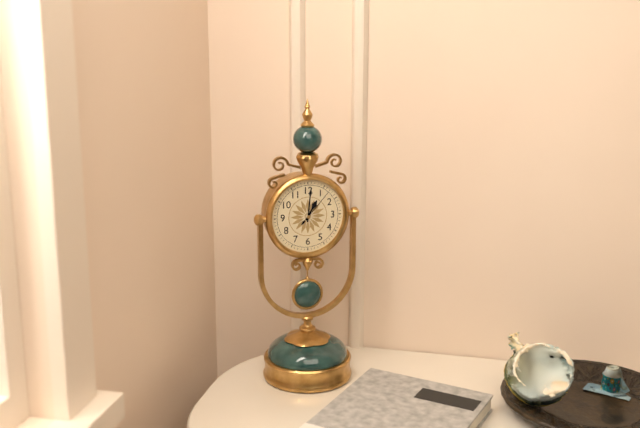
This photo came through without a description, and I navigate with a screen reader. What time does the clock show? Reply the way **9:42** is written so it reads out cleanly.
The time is **1:01**
